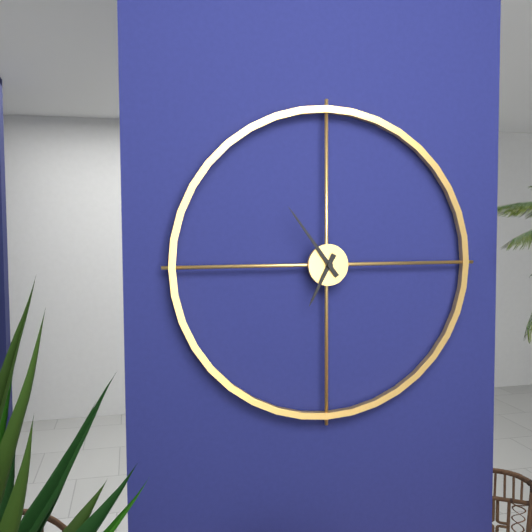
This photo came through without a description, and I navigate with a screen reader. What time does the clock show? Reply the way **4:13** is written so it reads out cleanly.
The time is **6:54**
